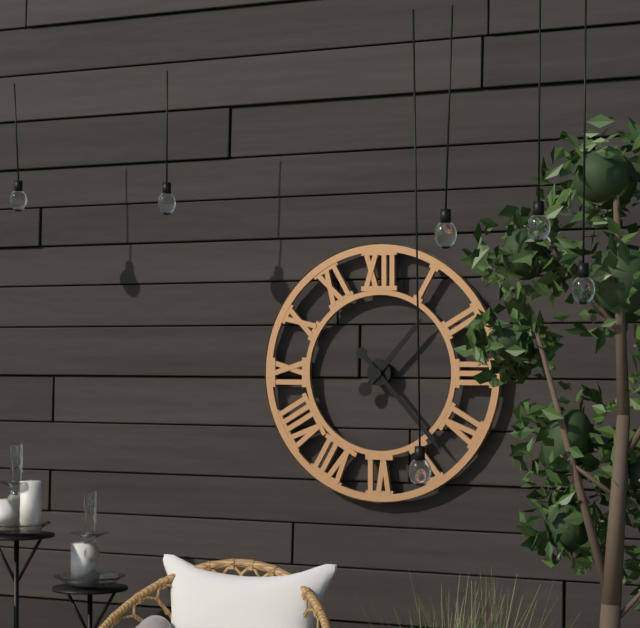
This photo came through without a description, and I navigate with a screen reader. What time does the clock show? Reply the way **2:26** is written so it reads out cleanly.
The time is **1:23**
